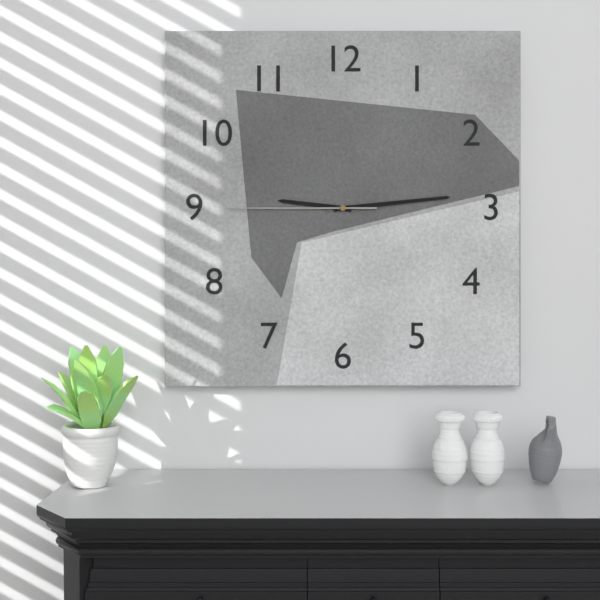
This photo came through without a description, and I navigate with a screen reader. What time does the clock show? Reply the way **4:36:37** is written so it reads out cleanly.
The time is **9:14:45**
